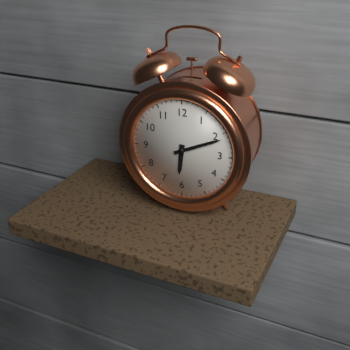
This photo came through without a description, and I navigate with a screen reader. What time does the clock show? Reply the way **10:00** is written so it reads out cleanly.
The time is **6:11**
